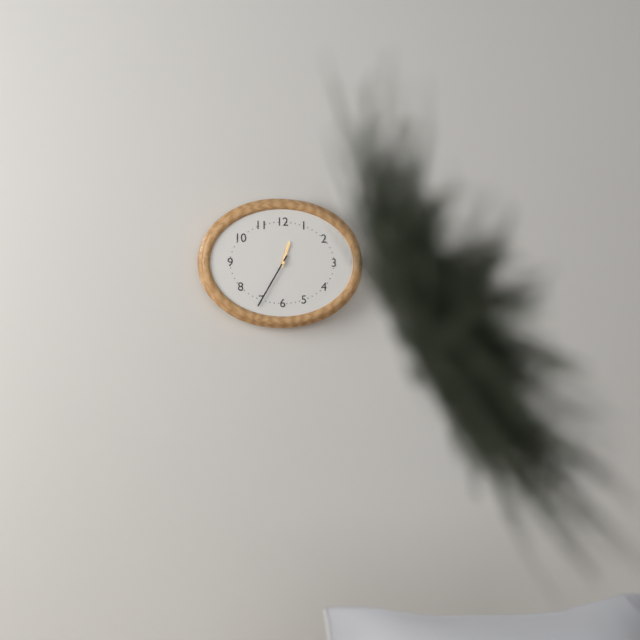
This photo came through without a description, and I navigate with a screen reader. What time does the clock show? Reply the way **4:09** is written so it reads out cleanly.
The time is **12:35**
